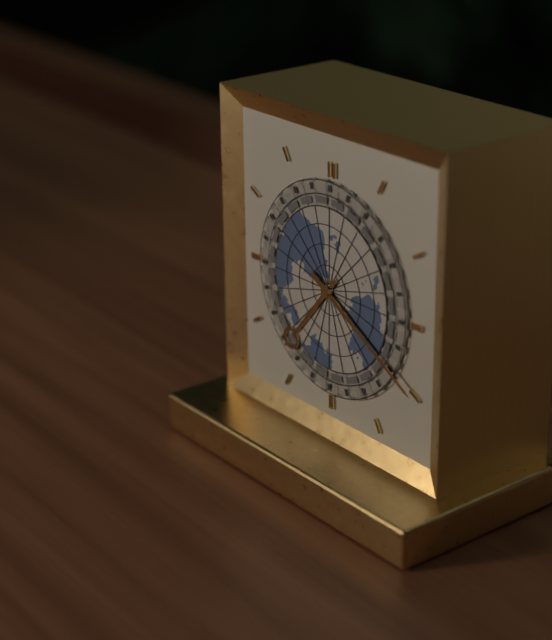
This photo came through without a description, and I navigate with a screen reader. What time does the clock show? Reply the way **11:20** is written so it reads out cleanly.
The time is **7:20**
